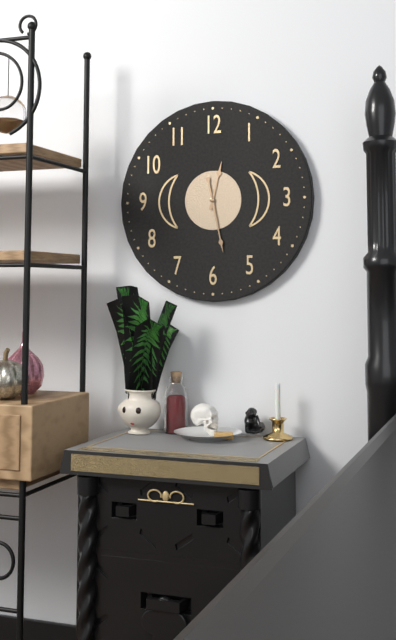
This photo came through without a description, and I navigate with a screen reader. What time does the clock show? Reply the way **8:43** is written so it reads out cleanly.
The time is **12:28**
